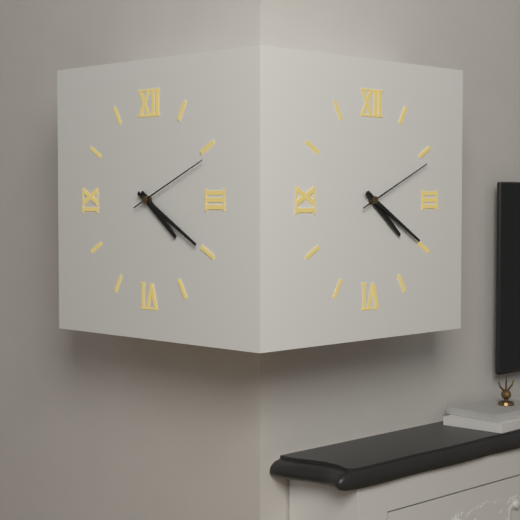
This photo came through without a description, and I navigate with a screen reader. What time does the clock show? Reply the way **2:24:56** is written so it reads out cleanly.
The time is **4:20:11**
